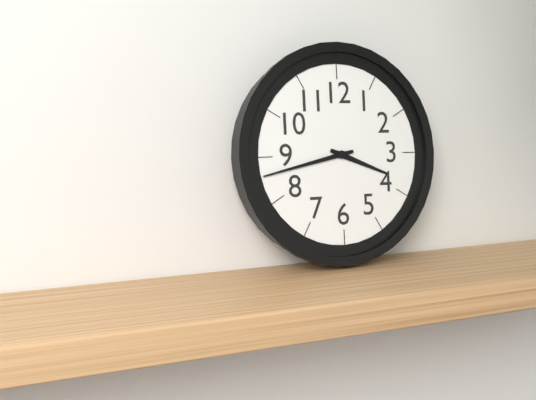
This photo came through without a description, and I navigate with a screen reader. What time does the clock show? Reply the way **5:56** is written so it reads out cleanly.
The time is **3:43**
